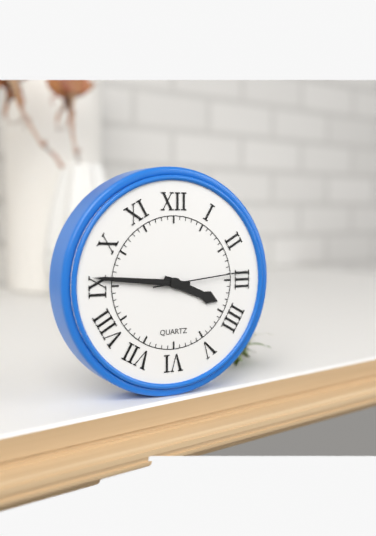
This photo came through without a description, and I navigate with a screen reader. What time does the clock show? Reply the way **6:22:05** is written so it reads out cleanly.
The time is **3:46:14**
